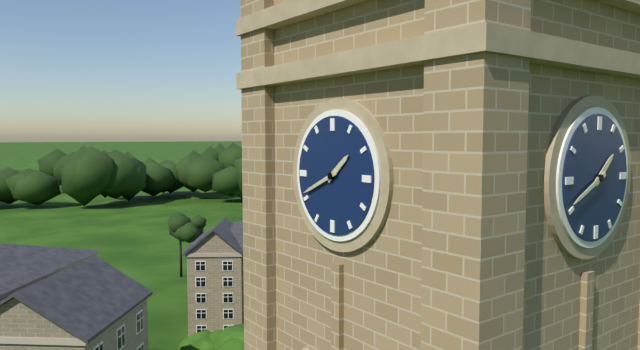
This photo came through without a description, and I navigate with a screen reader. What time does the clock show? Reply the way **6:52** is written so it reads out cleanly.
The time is **1:41**
